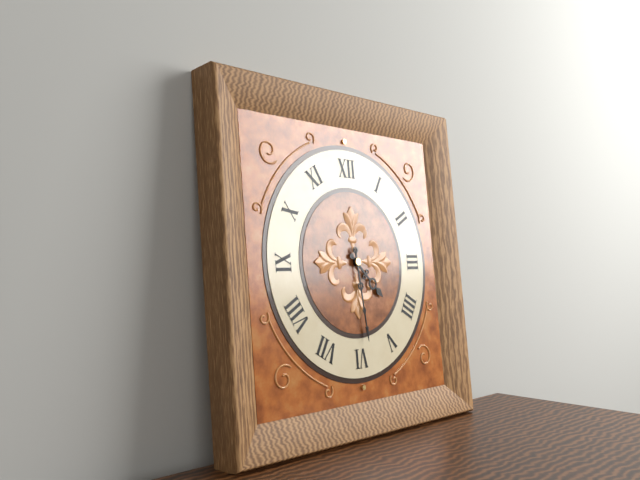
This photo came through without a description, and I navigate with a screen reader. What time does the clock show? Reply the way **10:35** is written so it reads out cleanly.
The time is **4:29**
